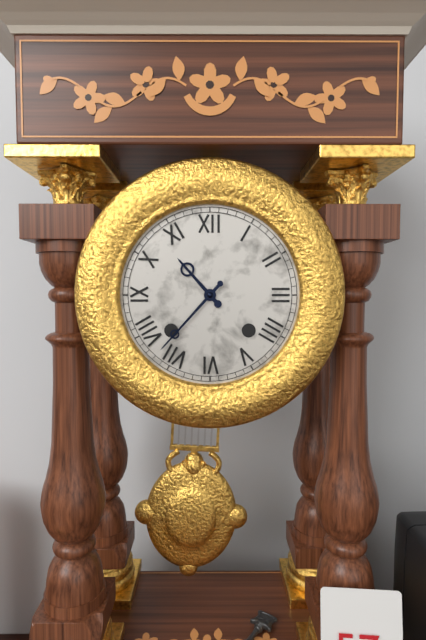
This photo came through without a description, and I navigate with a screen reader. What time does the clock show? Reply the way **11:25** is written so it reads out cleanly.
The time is **10:37**
